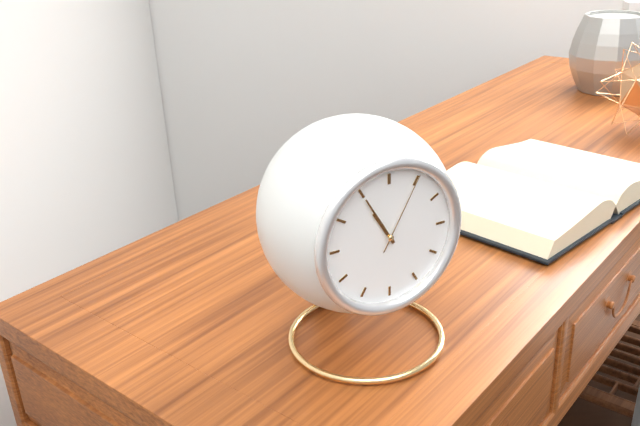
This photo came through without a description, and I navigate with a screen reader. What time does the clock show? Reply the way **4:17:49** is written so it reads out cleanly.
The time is **10:55:05**
